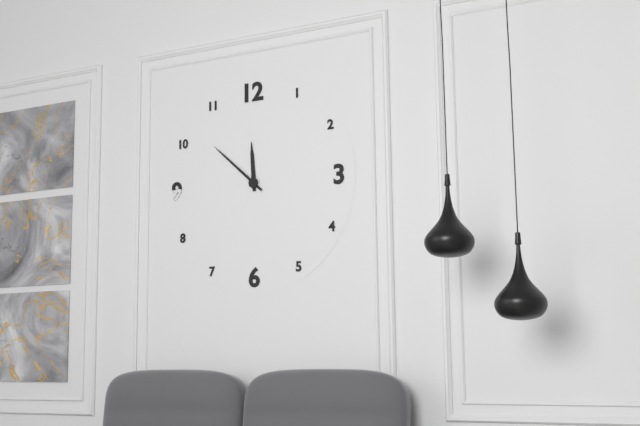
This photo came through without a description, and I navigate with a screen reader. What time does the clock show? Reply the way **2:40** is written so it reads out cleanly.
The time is **11:52**
